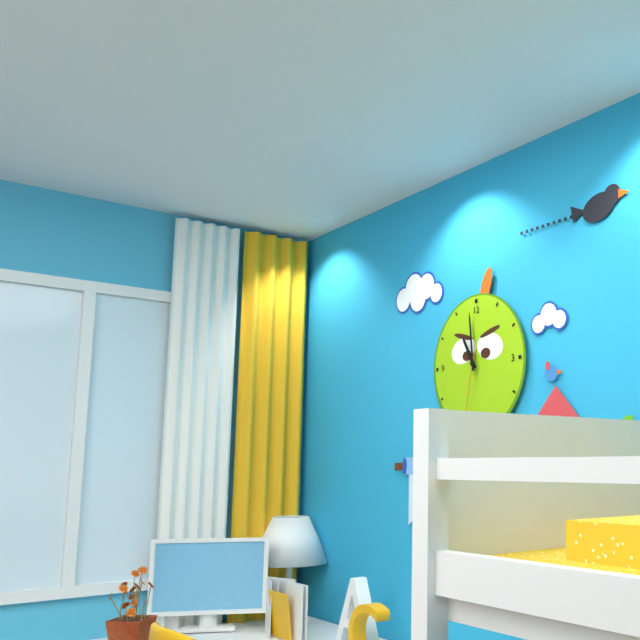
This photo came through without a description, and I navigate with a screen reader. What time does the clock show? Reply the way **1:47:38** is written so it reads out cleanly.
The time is **10:59:32**
